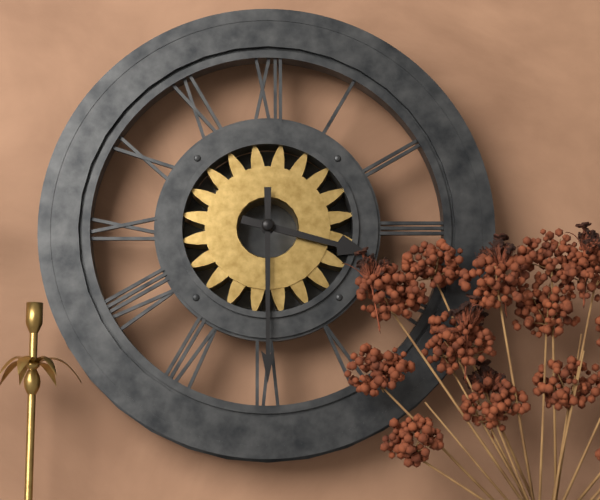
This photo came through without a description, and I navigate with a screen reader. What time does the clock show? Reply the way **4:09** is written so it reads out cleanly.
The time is **3:30**
